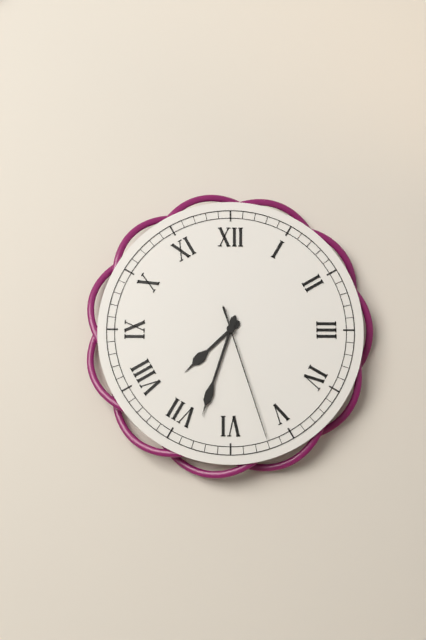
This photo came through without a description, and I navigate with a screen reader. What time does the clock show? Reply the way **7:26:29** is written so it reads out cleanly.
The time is **7:33:27**
